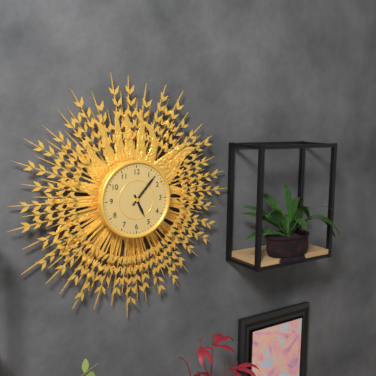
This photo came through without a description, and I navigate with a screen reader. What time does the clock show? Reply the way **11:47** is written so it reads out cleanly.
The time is **5:07**
